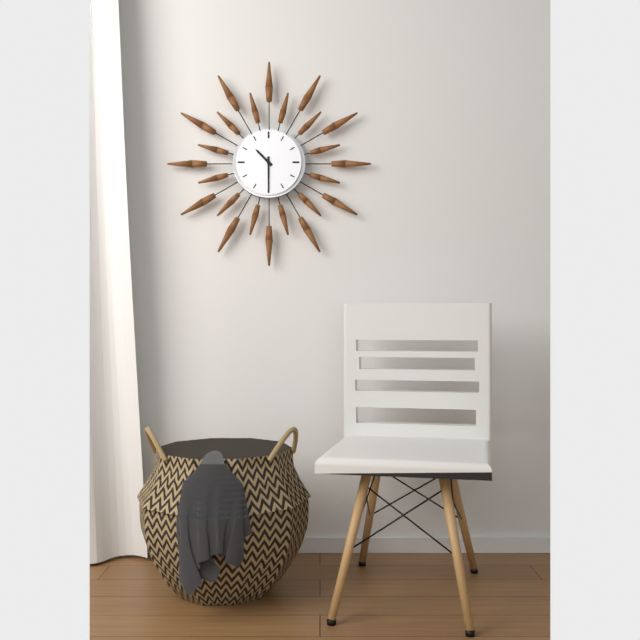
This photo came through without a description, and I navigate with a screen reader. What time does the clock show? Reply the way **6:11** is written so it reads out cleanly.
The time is **10:30**
